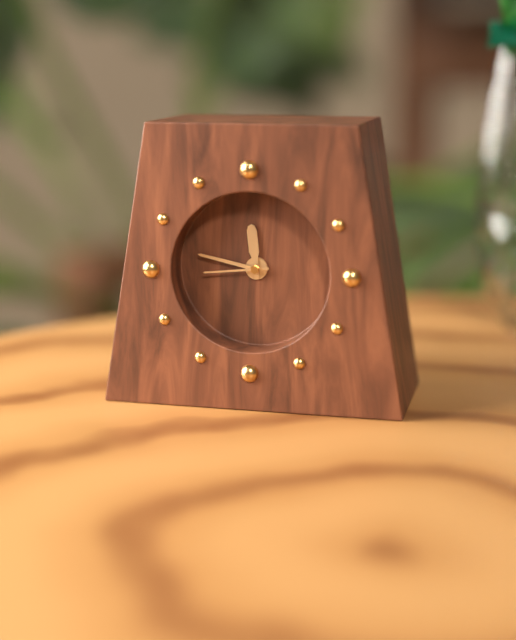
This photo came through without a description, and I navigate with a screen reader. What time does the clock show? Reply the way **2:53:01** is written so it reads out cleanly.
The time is **11:47:44**
